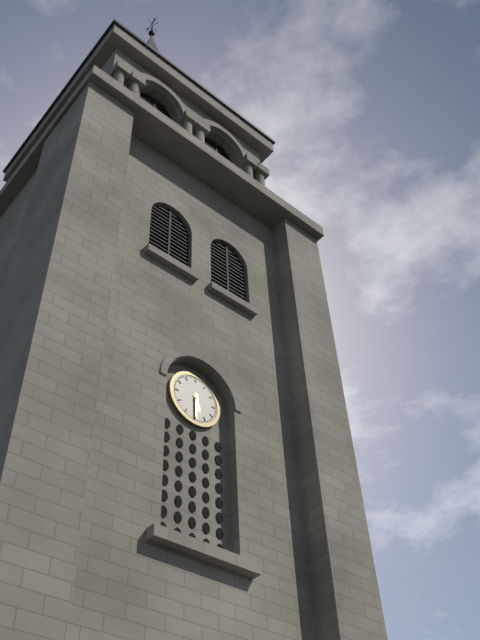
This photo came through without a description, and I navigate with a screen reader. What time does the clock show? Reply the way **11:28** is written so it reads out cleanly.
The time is **5:30**
